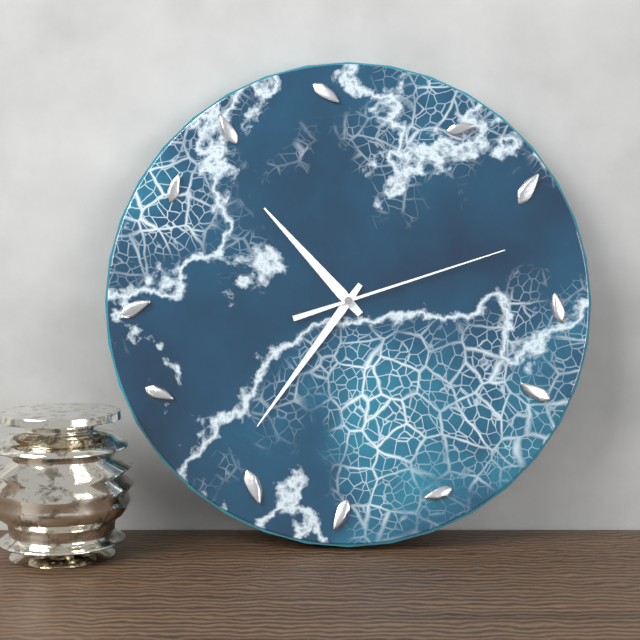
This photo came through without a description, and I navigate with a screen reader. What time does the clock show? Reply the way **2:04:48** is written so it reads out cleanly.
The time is **10:36:12**
